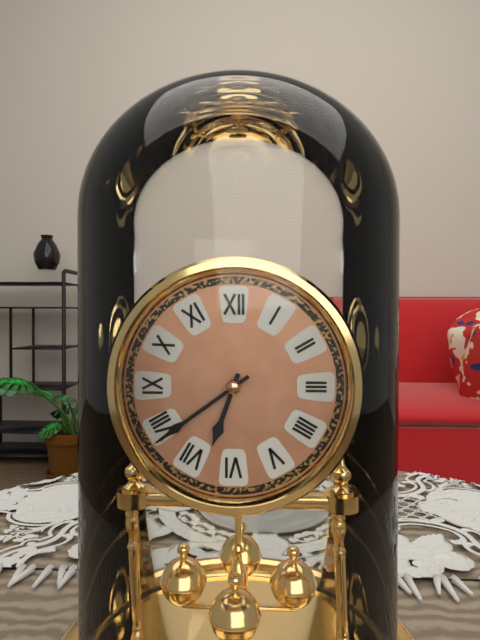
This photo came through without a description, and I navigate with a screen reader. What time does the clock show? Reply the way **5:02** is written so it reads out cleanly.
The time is **6:39**
